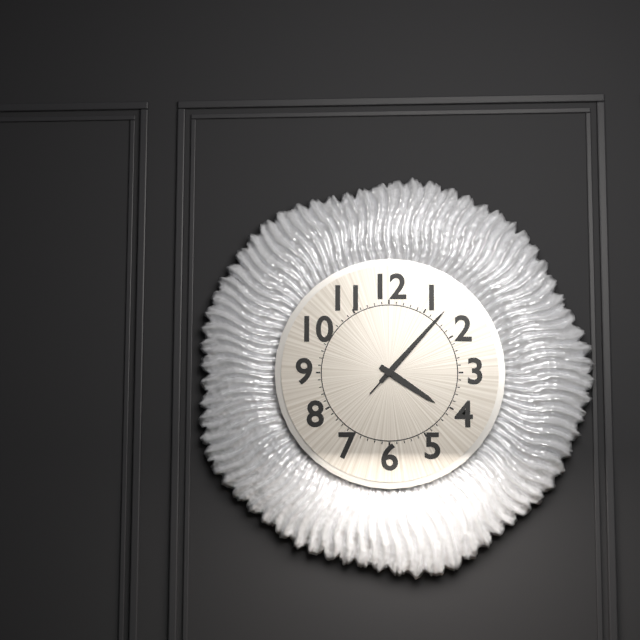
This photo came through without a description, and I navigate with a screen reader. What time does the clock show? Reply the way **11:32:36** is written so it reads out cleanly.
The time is **4:07:07**
